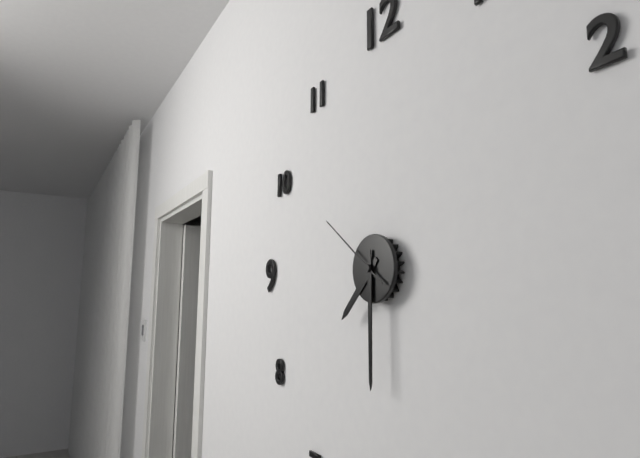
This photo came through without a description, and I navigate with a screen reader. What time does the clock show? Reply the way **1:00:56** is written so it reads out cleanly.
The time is **7:30:51**
